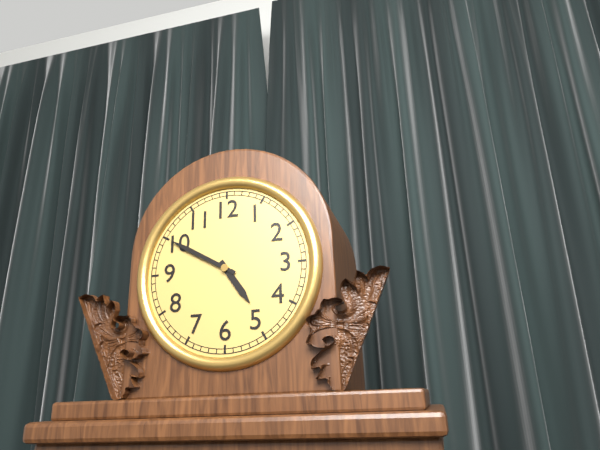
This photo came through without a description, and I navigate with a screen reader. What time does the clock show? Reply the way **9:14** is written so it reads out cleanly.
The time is **4:50**
